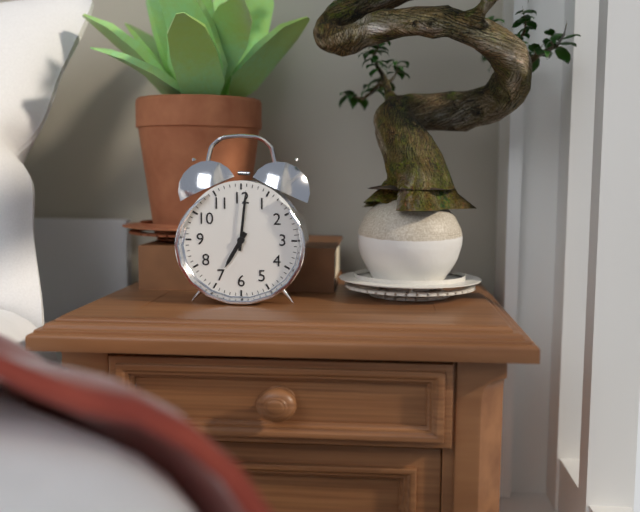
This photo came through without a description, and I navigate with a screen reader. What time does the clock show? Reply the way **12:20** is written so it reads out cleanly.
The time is **7:01**
